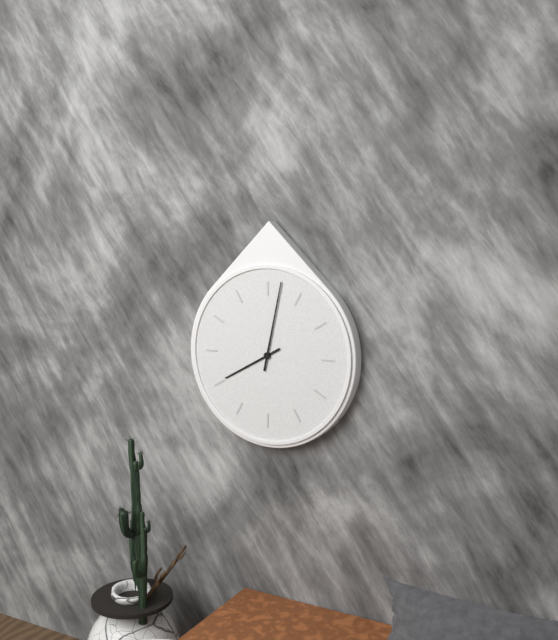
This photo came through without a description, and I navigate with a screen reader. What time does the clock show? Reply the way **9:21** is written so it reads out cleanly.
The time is **8:02**
